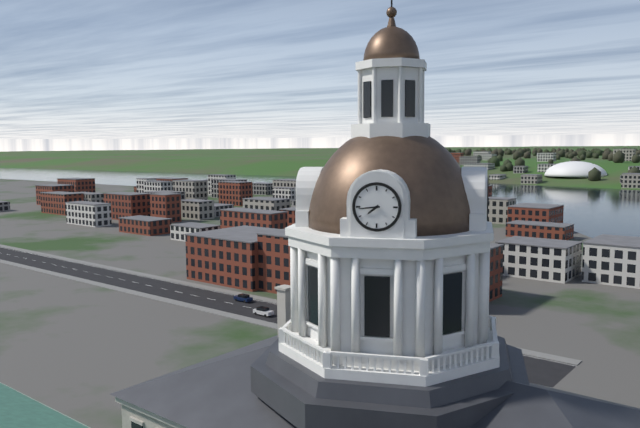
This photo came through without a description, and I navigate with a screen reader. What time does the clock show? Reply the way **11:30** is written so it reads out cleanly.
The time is **7:44**
